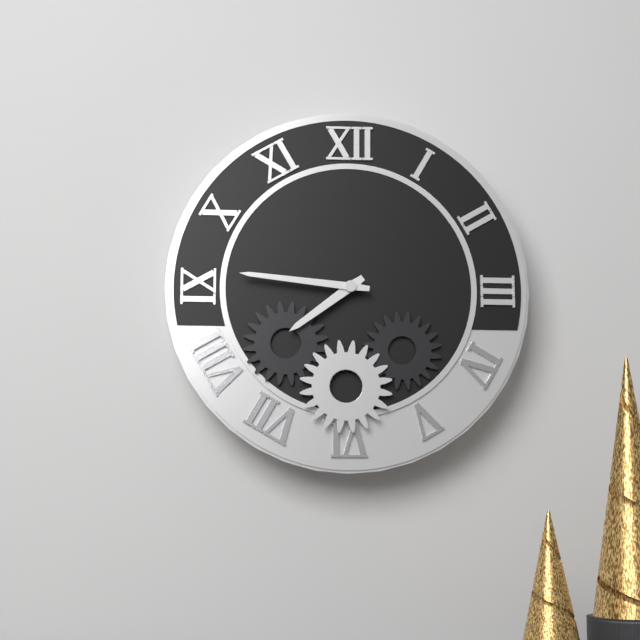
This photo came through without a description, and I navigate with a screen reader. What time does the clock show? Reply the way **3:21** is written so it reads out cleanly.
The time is **7:46**
